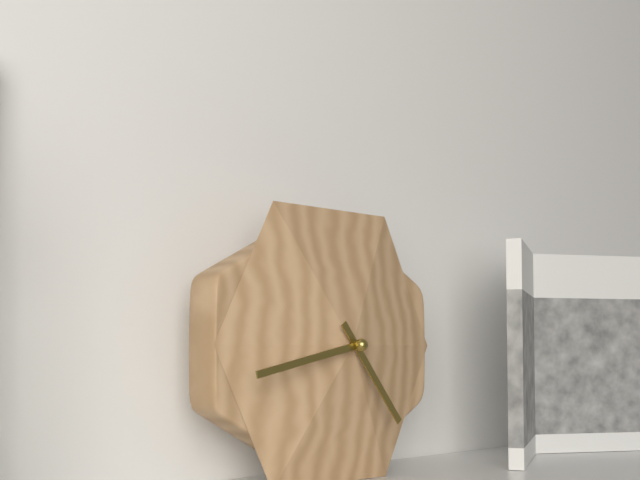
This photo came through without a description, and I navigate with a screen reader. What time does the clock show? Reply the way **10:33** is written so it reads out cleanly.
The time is **4:43**
